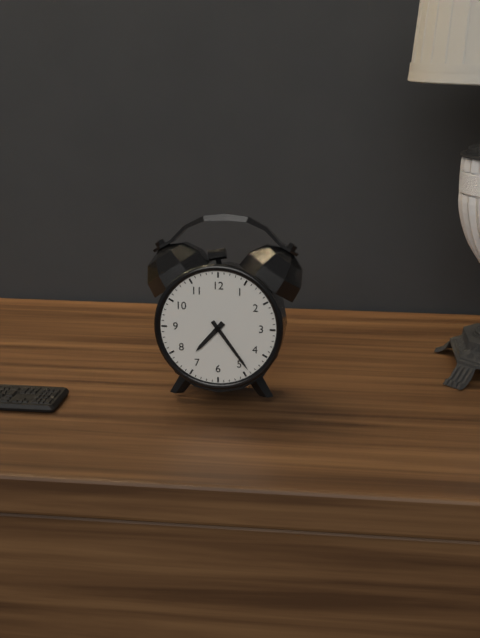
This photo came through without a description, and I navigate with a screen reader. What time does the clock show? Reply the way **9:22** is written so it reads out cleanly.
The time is **7:24**
